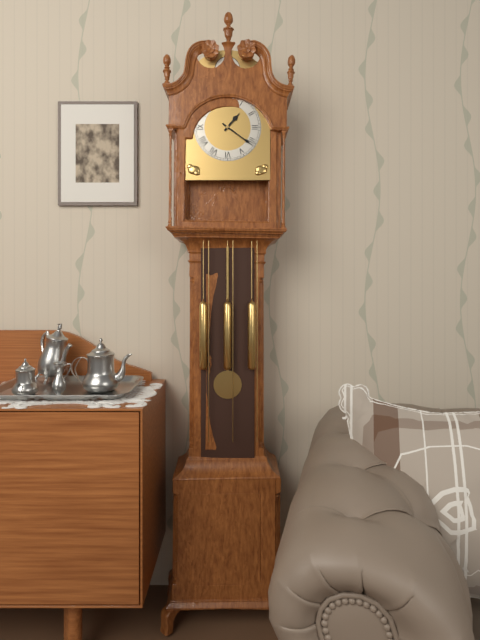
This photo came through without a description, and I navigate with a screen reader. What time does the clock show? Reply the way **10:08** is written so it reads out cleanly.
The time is **1:21**
